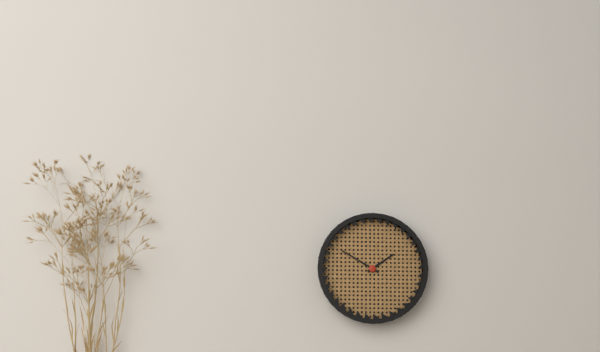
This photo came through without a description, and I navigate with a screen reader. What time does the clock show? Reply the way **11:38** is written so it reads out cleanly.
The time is **1:50**
